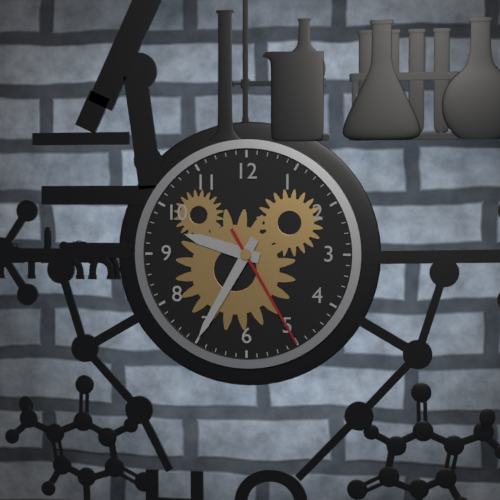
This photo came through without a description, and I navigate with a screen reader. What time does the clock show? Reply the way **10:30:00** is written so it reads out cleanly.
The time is **9:35:25**
